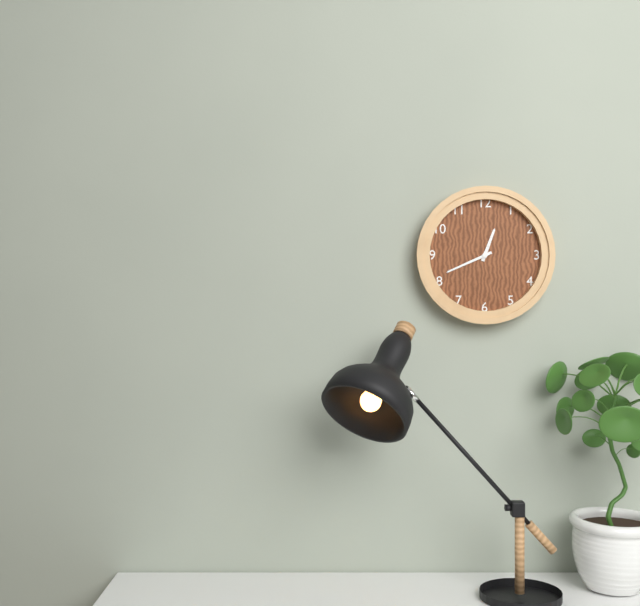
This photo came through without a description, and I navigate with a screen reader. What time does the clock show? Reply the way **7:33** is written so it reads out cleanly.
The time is **12:41**
